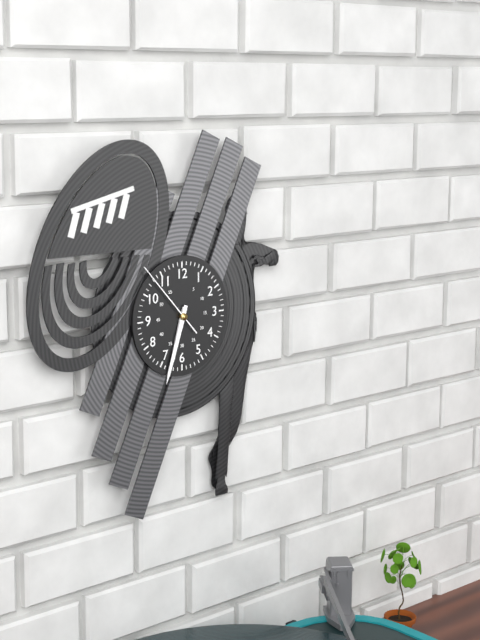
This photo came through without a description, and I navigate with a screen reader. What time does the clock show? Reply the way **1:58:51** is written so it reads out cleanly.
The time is **6:33:53**
